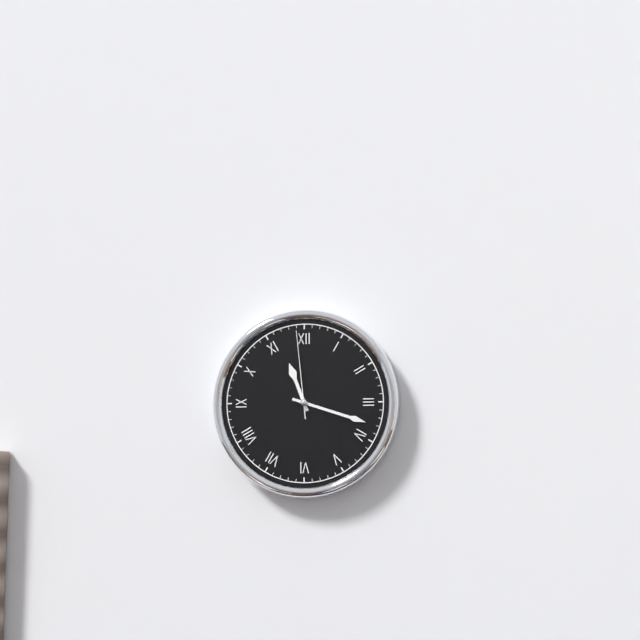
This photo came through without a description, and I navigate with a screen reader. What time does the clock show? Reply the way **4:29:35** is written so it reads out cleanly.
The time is **11:18:59**
